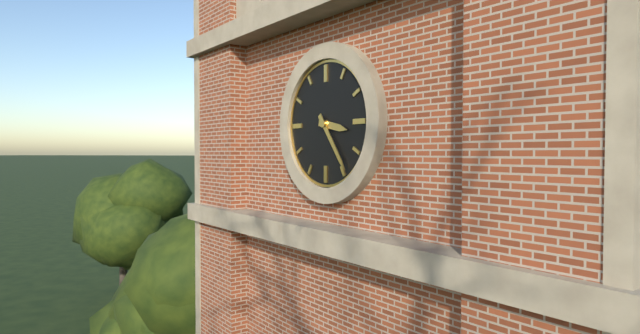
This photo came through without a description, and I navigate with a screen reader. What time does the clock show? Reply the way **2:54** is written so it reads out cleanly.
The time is **3:24**
